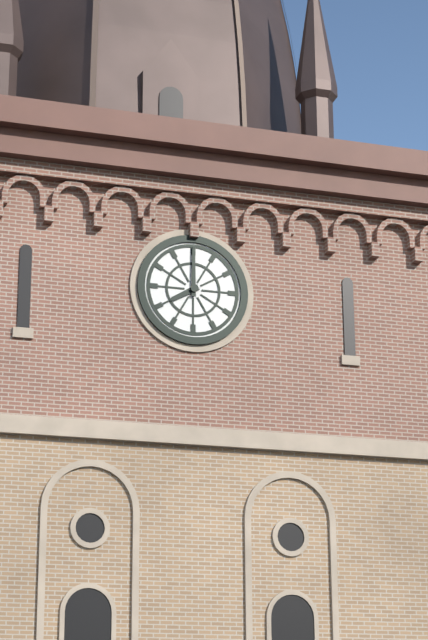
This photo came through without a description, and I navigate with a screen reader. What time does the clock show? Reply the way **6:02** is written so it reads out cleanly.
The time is **8:00**
